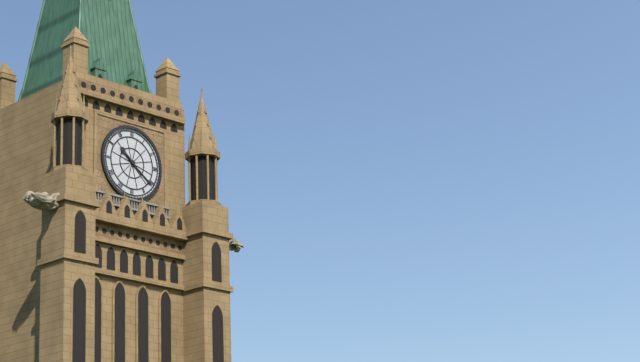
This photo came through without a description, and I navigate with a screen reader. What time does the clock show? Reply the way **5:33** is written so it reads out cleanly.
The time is **10:21**
